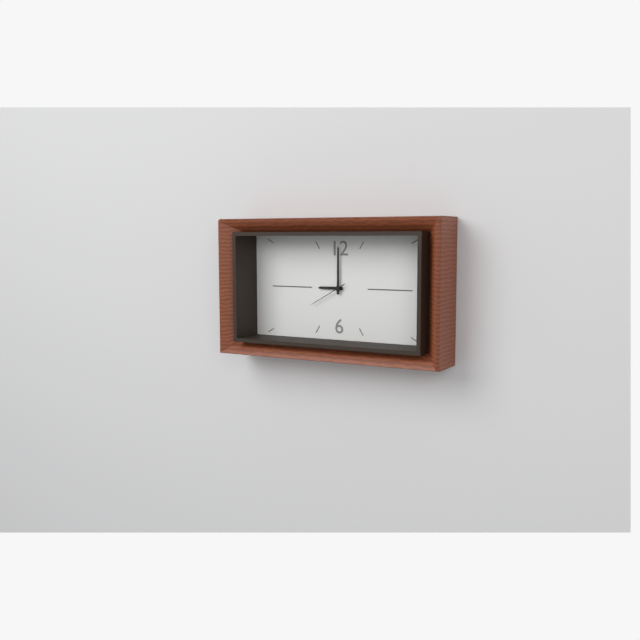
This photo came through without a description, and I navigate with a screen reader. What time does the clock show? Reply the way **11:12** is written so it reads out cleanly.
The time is **9:00**
